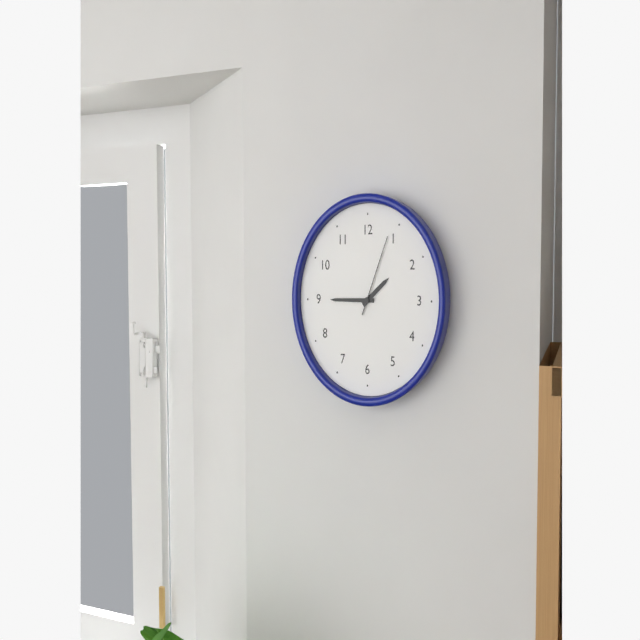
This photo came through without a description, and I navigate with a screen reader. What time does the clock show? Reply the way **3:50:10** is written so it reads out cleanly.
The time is **1:45:04**
